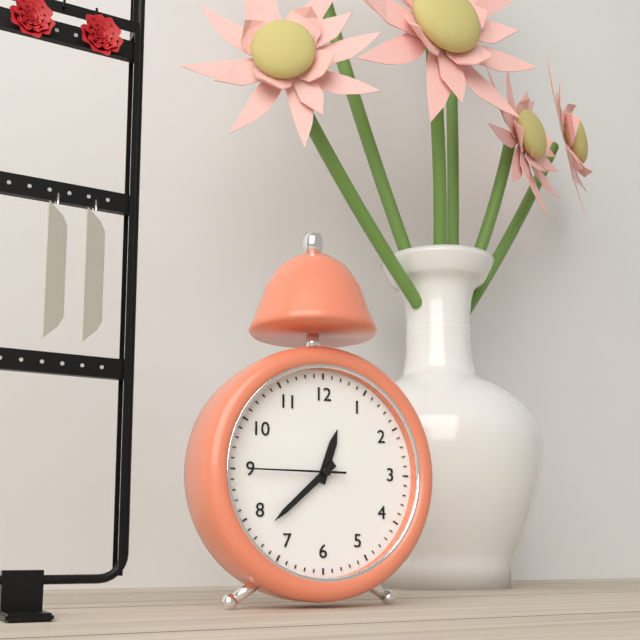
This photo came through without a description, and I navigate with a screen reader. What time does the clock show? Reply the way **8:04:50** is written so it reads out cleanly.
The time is **12:38:45**
